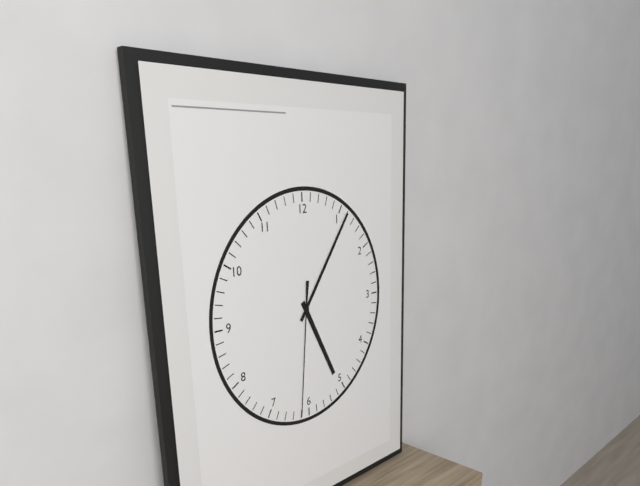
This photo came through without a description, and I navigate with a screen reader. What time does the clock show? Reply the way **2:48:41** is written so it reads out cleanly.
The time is **5:06:31**
